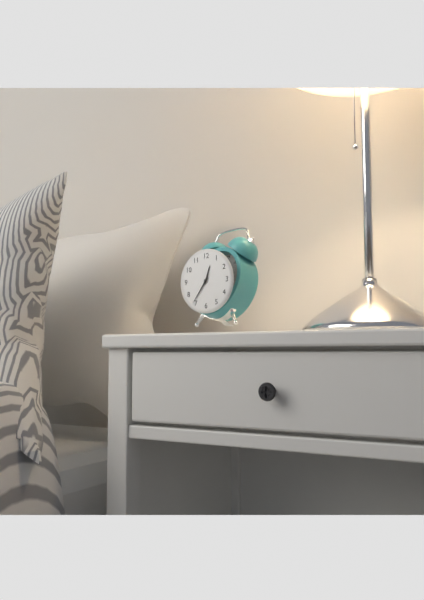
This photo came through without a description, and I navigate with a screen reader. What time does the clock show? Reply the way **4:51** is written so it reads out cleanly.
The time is **12:36**
